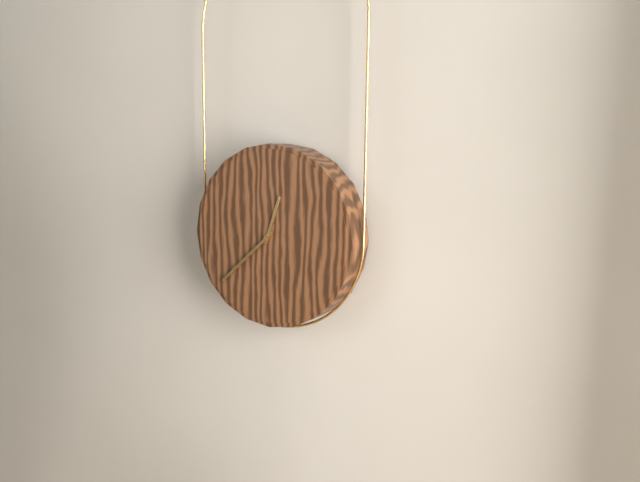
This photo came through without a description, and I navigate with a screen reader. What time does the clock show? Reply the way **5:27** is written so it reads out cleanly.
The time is **12:38**
